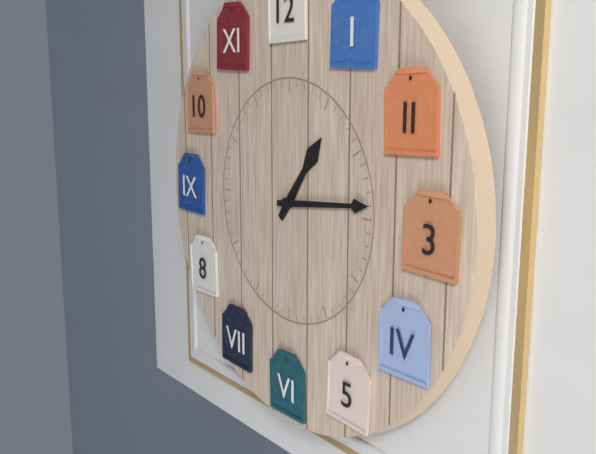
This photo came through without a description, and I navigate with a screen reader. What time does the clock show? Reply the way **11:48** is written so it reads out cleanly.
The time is **1:14**
